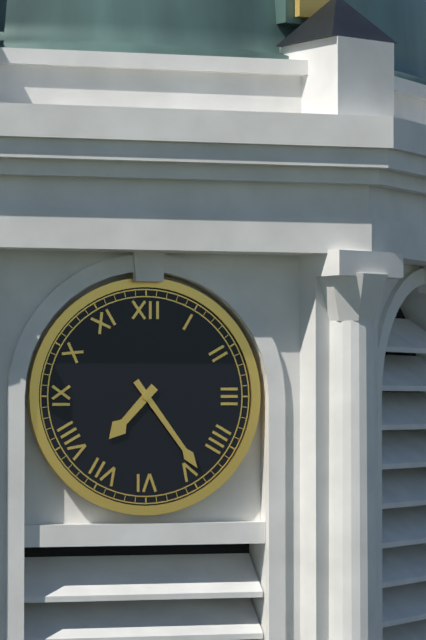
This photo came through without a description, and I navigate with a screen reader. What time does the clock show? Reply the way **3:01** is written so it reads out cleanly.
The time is **7:24**
